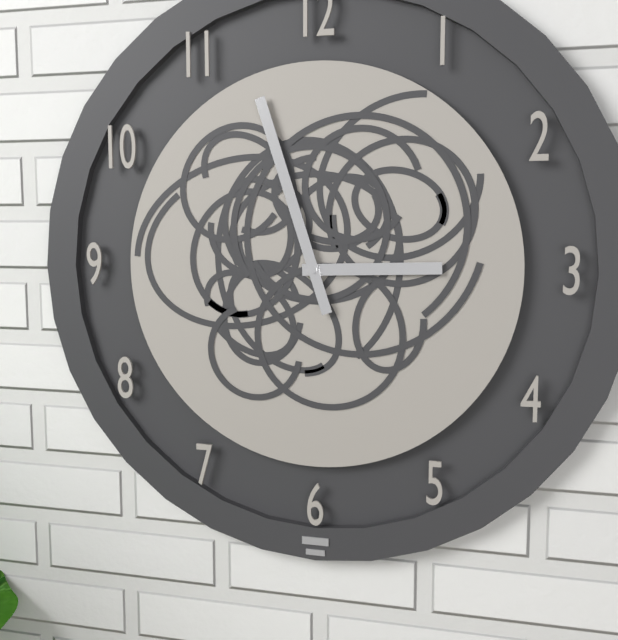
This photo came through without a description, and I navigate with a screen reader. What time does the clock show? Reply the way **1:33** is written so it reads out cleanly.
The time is **2:57**
